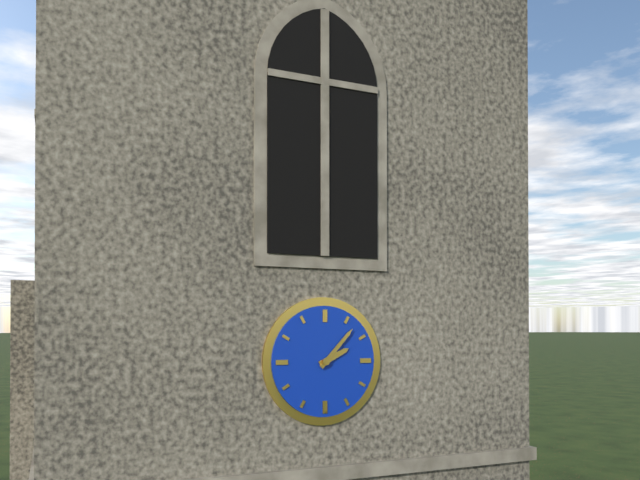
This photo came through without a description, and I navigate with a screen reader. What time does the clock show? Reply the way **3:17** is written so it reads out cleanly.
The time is **2:07**
